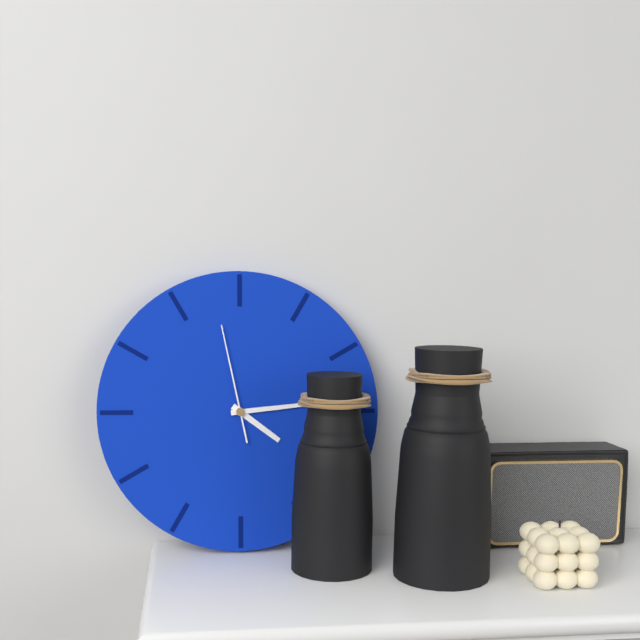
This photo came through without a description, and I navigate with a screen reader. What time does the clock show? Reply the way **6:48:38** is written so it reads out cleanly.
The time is **4:14:58**
